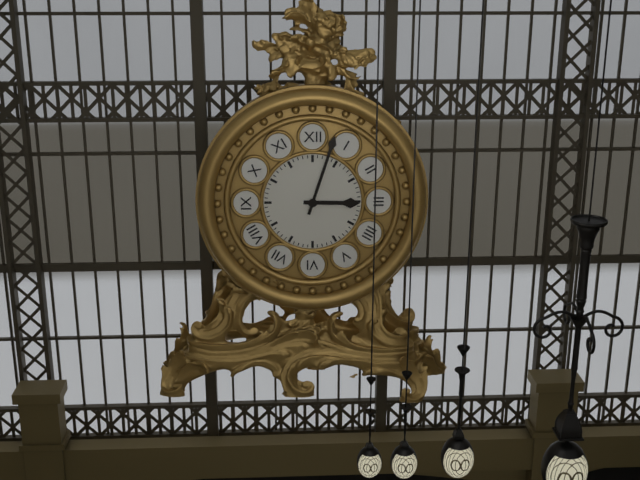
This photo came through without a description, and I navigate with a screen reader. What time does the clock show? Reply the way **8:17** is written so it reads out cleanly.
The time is **3:03**
